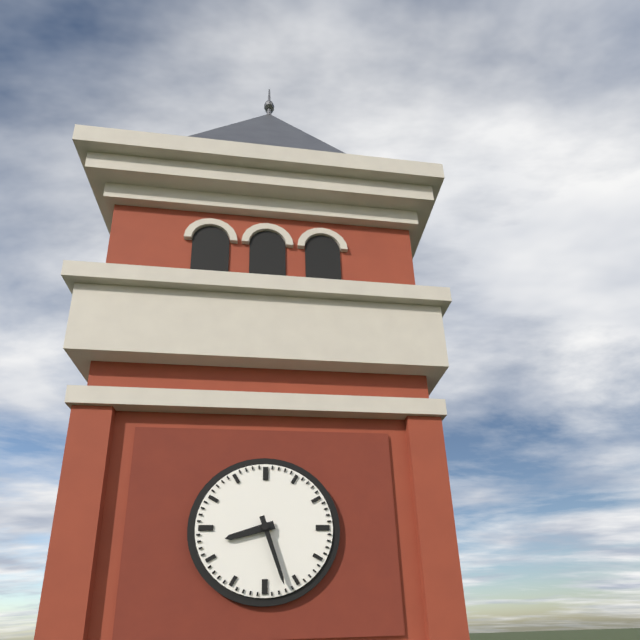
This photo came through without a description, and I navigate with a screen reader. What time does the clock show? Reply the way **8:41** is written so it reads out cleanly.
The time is **8:27**
